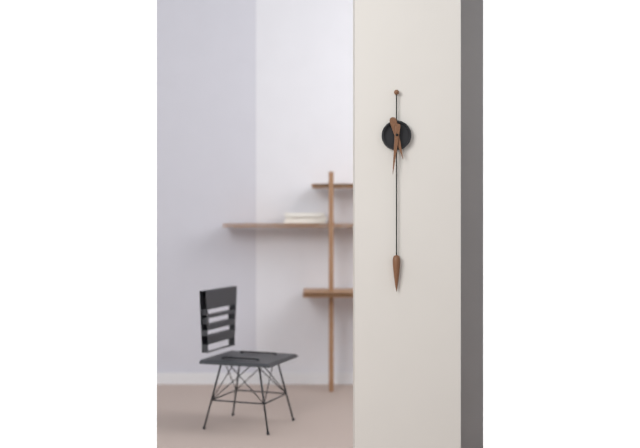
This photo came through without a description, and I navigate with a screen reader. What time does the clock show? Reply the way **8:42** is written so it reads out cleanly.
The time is **5:31**
